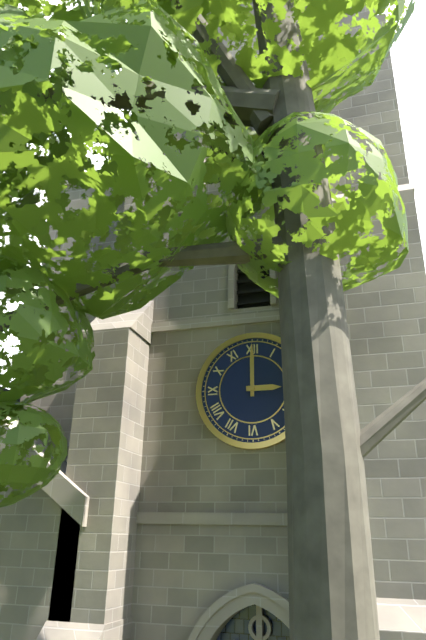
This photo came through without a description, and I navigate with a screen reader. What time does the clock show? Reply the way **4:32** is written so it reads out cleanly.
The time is **3:00**
